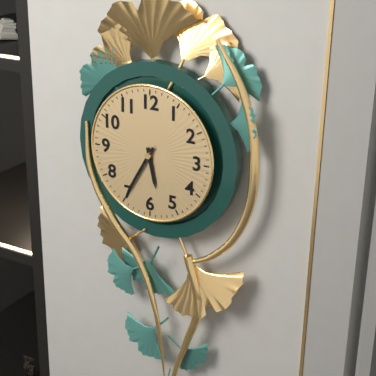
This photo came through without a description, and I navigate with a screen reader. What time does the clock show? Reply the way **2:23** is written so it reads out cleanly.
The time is **5:35**
